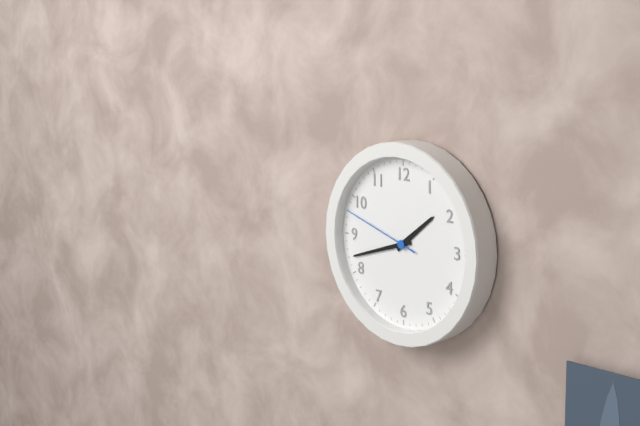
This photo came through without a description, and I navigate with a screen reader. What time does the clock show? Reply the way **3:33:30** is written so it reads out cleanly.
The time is **1:42:48**
